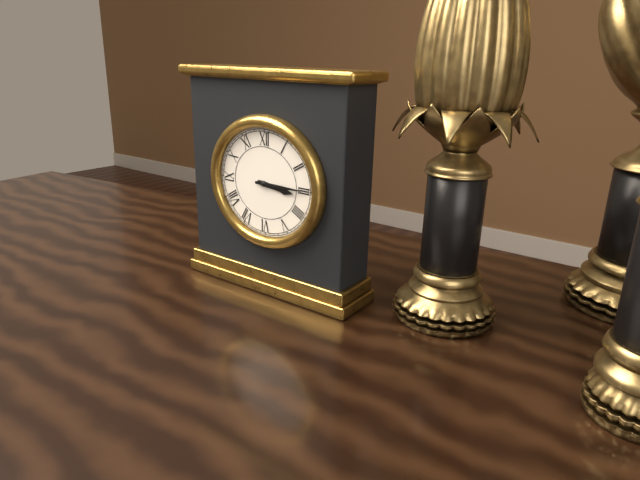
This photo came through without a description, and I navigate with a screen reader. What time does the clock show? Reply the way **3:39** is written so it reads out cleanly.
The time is **3:15**
